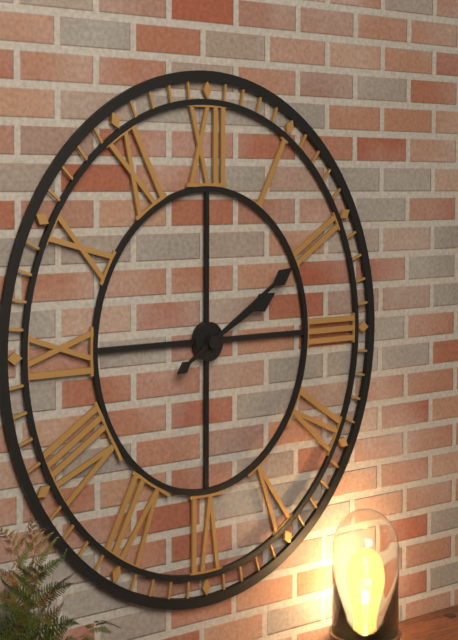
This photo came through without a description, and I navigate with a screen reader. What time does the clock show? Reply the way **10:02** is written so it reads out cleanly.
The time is **2:10**
